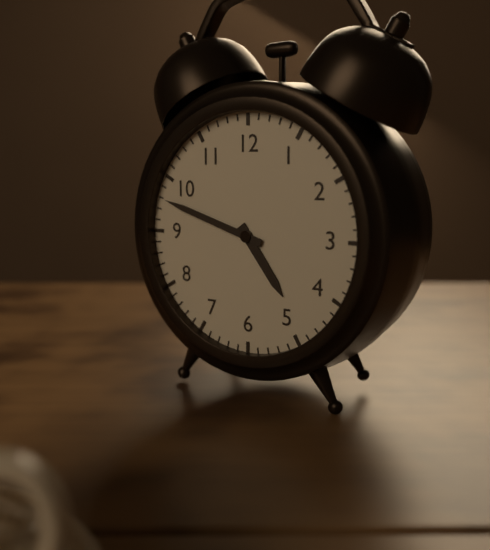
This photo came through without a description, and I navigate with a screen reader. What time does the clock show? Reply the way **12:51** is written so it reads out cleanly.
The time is **4:48**
